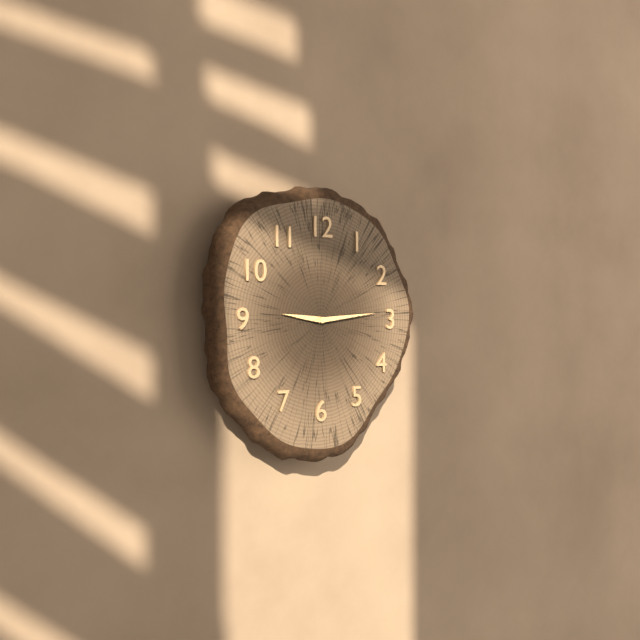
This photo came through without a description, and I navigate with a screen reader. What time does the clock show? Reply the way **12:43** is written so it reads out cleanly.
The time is **9:14**
